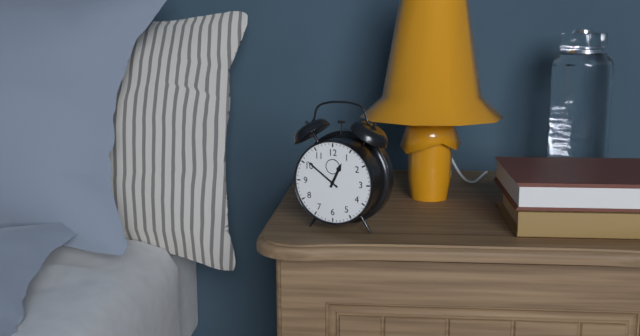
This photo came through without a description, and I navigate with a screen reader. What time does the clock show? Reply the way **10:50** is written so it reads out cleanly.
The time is **12:51**
